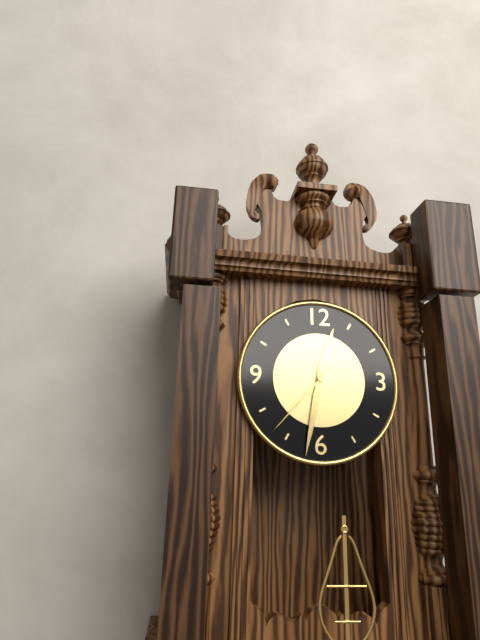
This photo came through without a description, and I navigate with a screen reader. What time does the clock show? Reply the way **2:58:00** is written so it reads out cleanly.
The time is **12:32:37**
